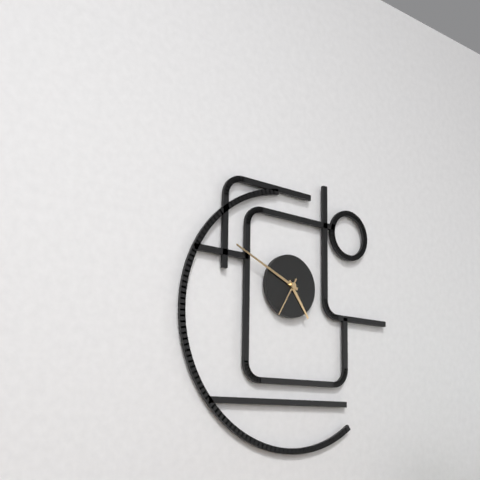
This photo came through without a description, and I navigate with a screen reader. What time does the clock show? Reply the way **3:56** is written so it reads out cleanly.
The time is **4:49**
